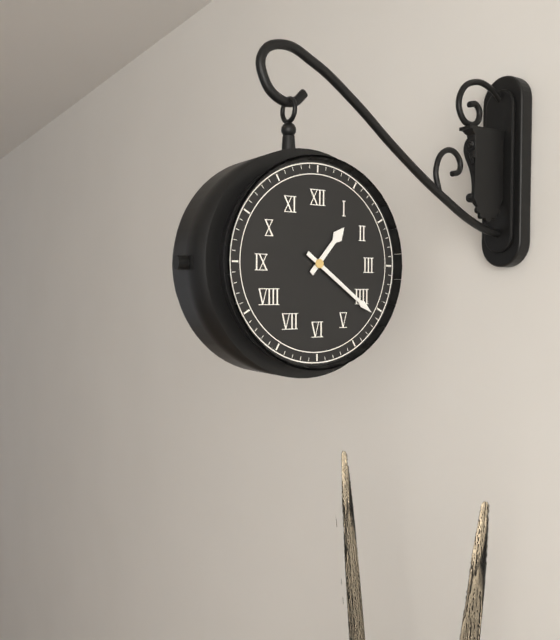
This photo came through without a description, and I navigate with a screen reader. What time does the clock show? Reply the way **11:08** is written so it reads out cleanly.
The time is **1:21**
